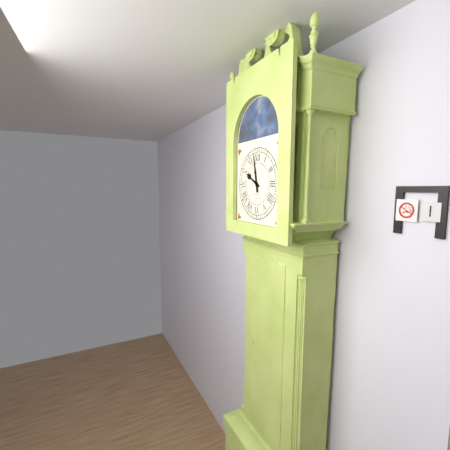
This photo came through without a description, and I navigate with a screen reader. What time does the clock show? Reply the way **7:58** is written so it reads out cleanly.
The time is **9:58**
